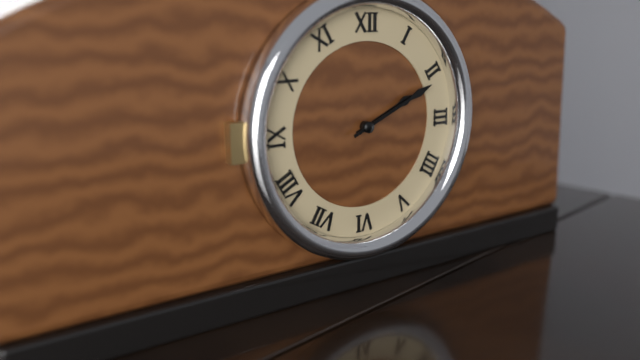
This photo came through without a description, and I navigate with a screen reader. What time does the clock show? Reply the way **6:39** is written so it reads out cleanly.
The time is **2:11**
